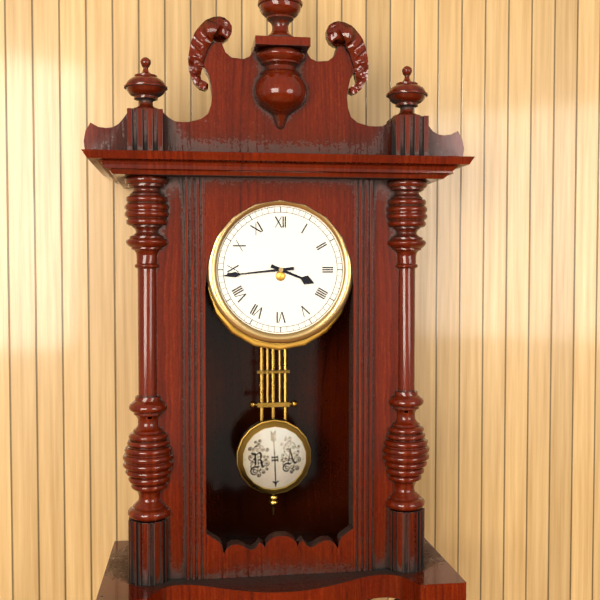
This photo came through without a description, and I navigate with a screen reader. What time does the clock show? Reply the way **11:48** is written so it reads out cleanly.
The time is **3:44**
